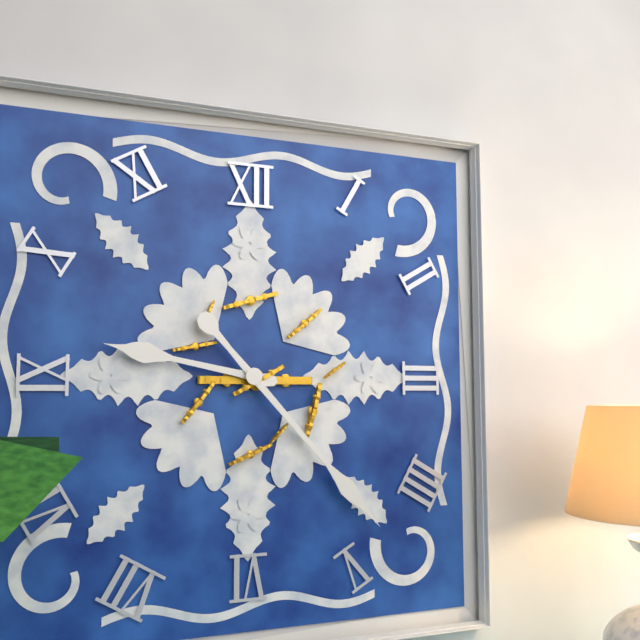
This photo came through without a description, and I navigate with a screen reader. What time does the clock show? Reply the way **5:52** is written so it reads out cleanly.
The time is **9:23**
